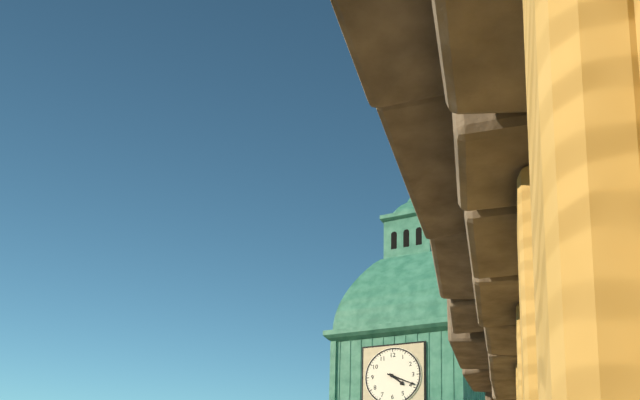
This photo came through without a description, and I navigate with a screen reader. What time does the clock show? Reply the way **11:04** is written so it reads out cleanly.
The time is **4:19**
